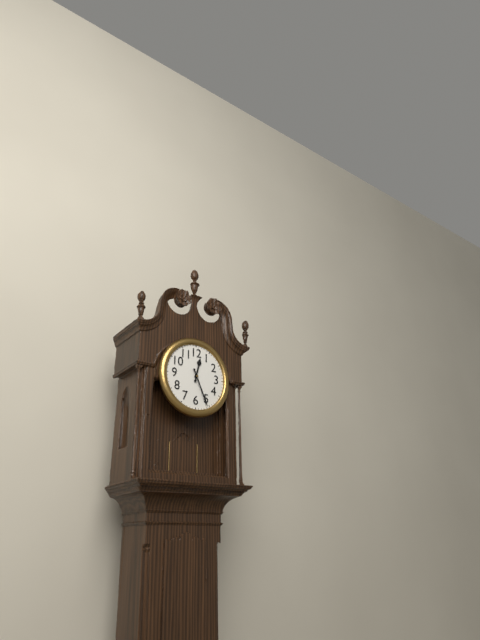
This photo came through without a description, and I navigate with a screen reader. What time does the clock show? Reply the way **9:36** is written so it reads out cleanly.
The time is **12:26**
